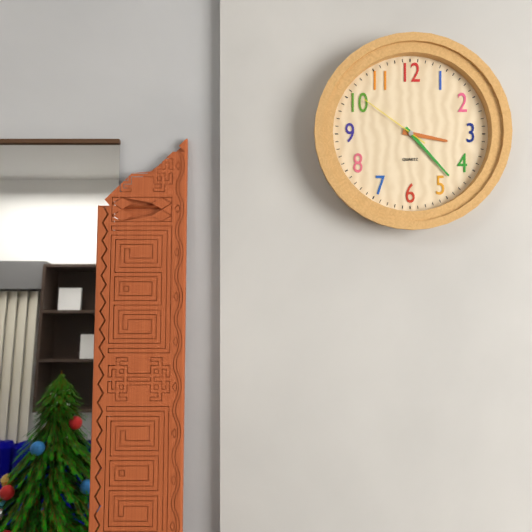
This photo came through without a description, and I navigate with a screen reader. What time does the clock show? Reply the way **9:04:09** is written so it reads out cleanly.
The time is **3:23:51**
